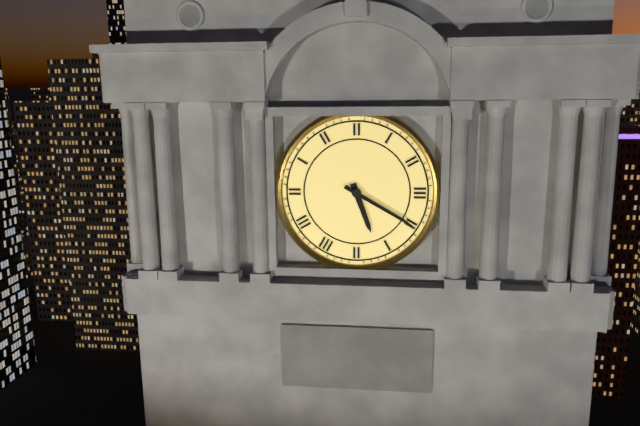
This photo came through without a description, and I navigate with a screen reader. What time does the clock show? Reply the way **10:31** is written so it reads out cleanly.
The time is **5:20**
